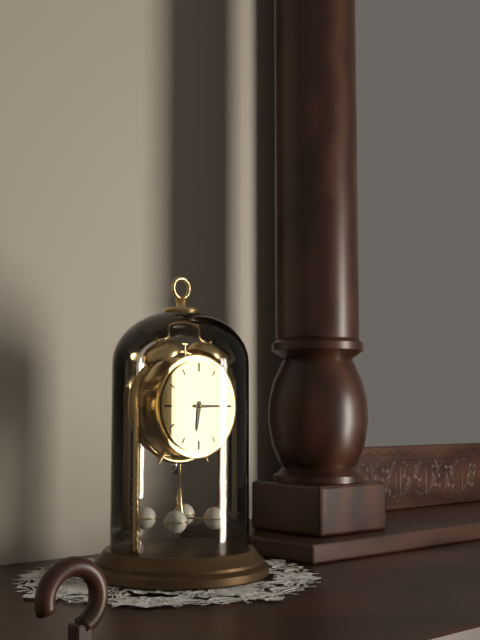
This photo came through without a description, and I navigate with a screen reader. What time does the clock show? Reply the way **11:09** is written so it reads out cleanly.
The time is **6:15**
